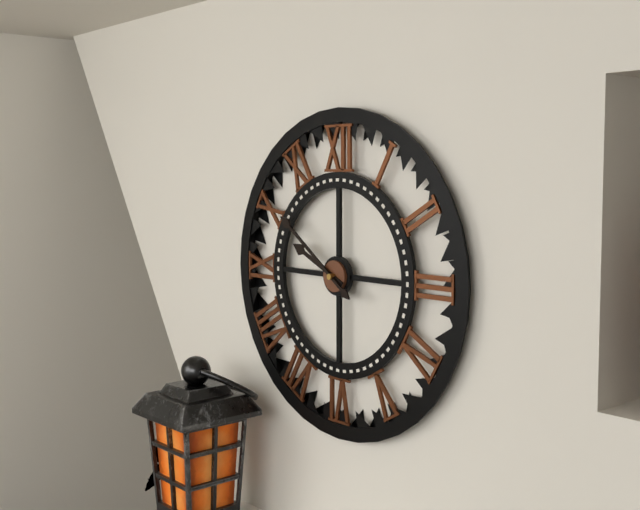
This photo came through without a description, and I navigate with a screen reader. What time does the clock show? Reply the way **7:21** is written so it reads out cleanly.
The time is **9:51**
